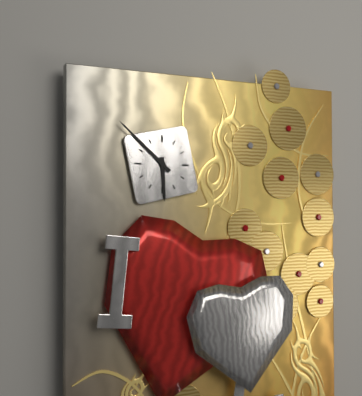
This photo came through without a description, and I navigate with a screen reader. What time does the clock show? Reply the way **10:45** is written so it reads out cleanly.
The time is **5:52**
